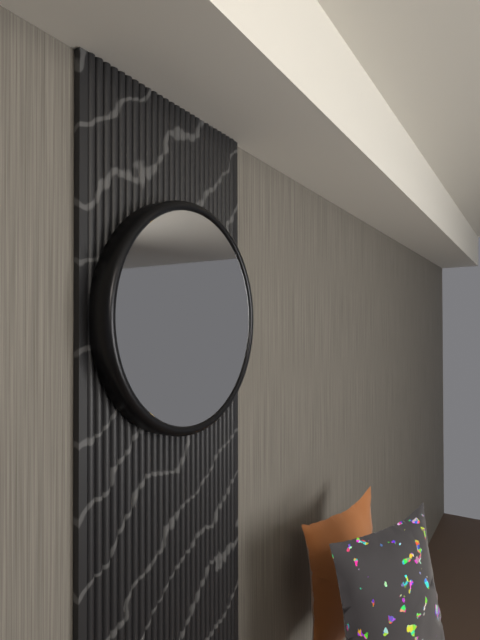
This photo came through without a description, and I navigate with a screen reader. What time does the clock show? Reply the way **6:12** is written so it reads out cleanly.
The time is **4:59**
